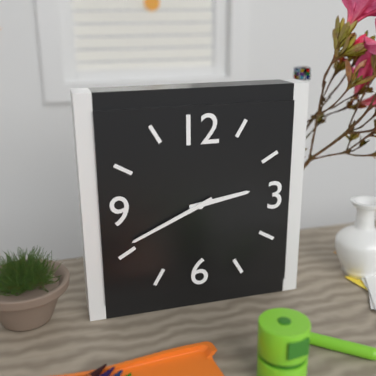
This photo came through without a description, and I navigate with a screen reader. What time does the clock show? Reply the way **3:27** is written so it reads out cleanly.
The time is **2:41**
